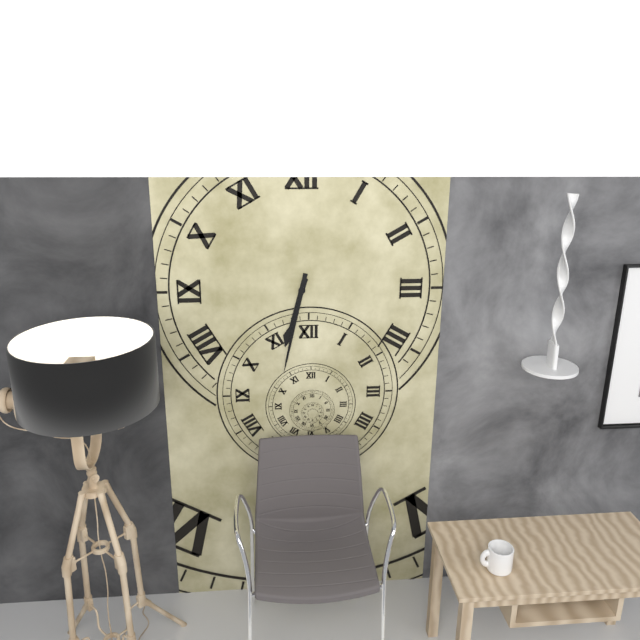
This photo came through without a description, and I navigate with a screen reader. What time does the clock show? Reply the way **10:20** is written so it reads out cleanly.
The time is **6:32**
